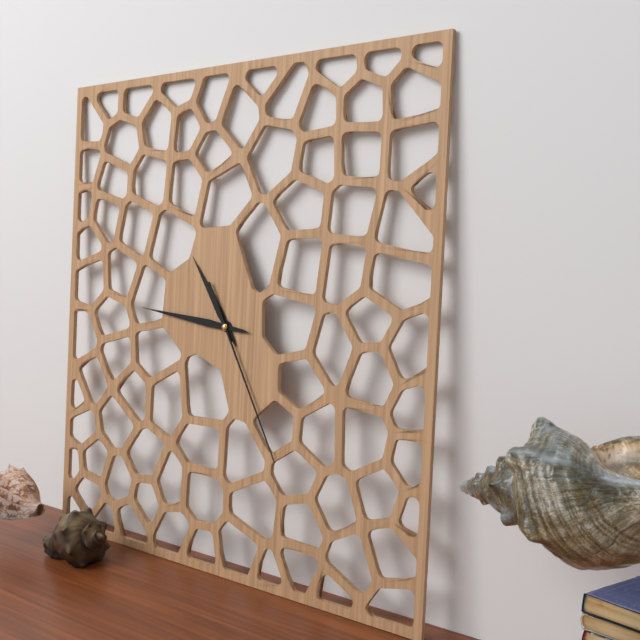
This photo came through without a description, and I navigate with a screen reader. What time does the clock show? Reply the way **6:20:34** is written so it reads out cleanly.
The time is **10:46:25**
